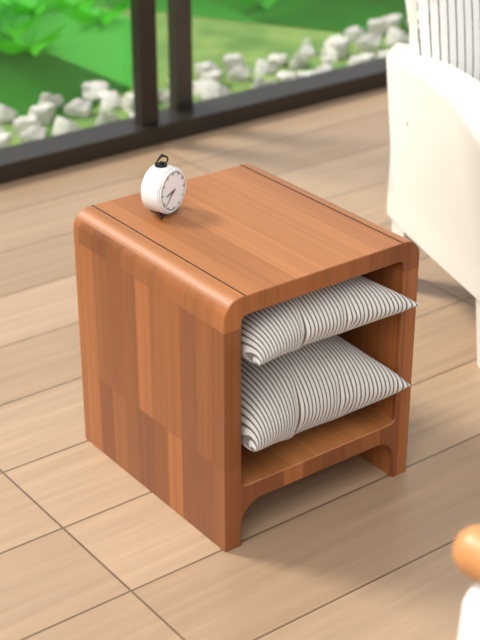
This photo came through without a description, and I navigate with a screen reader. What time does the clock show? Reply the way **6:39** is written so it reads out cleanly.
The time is **8:38**
